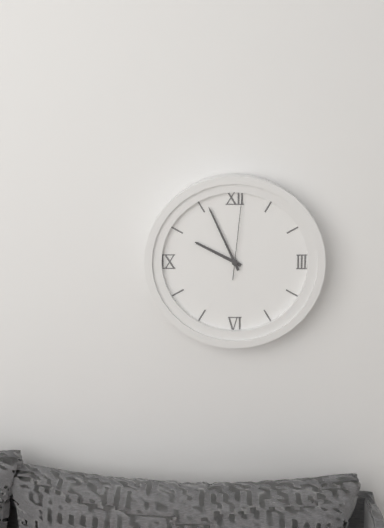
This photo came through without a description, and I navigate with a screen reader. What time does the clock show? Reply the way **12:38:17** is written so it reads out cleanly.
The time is **9:56:01**
